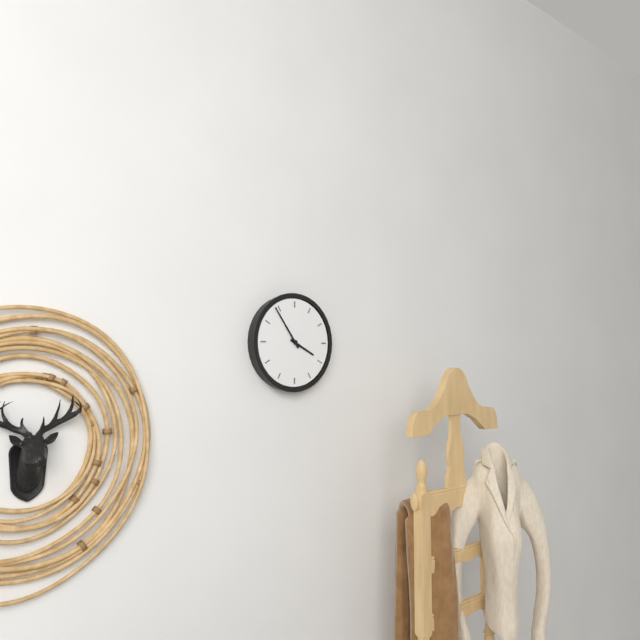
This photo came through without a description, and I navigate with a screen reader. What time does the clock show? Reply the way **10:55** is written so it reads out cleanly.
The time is **3:54**
